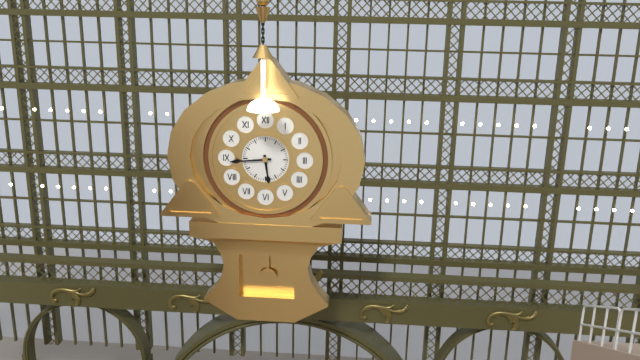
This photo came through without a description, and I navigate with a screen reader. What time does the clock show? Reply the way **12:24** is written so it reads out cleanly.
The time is **5:44**
